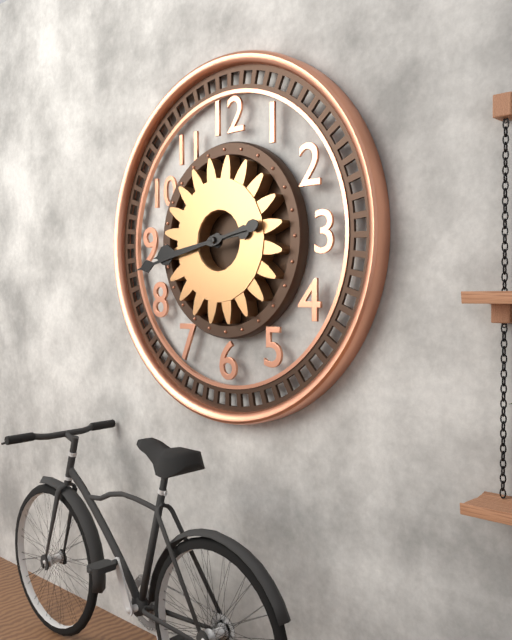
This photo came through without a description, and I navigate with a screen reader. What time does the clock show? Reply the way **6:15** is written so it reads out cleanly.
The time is **8:43**
